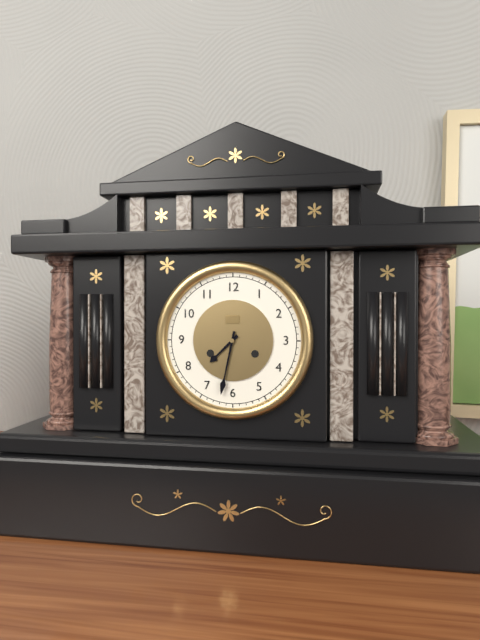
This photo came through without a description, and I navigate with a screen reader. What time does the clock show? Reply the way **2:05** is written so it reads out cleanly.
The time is **7:32**
